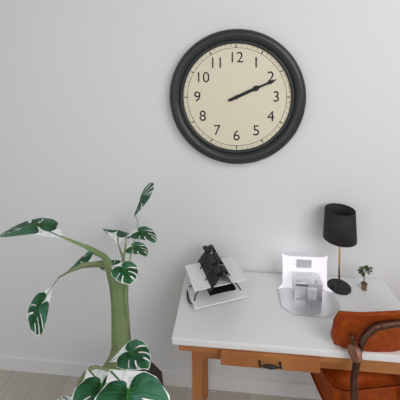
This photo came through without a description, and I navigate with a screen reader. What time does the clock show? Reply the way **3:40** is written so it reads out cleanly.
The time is **2:11**
